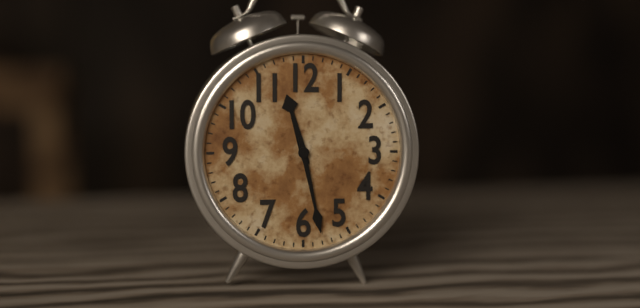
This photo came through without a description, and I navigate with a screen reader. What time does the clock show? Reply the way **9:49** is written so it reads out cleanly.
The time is **11:28**
